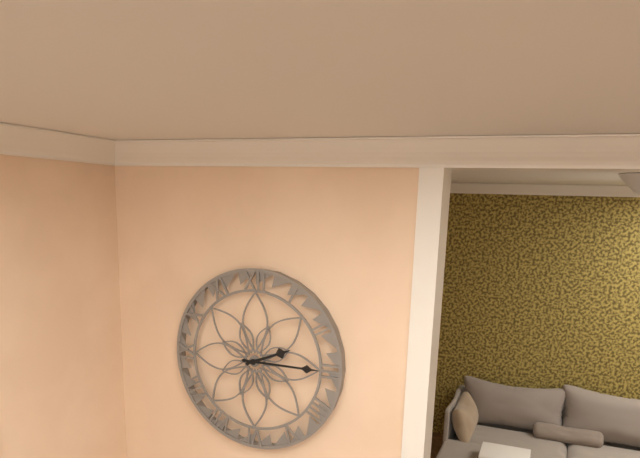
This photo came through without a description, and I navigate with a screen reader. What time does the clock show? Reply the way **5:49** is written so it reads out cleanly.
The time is **2:15**
